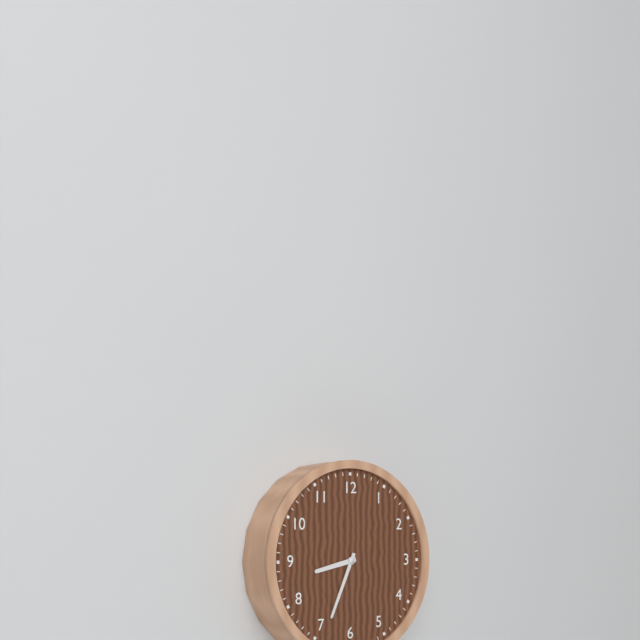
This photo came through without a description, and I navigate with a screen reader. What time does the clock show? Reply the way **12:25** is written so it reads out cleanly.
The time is **8:34**
